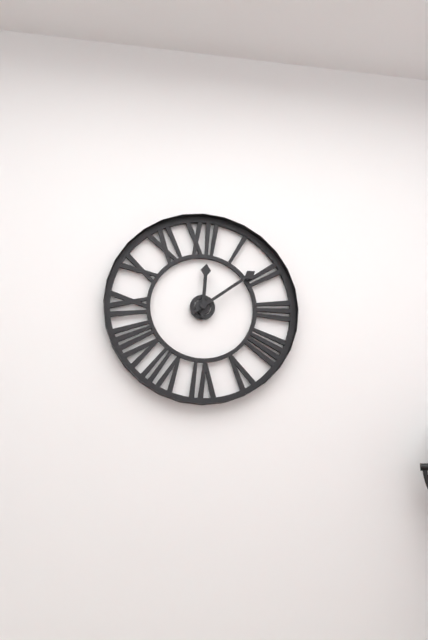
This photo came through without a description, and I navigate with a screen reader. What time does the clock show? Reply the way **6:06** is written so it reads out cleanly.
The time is **12:09**
